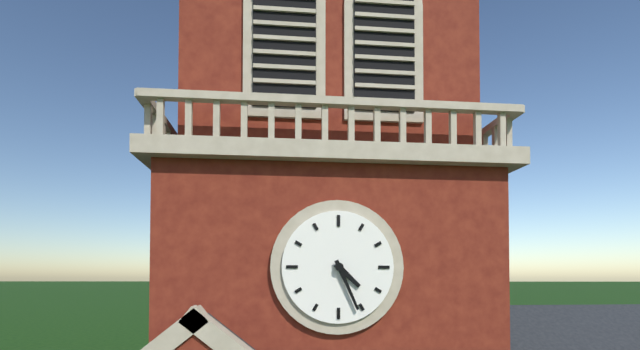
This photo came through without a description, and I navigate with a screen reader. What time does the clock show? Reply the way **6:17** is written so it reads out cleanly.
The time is **4:26**
